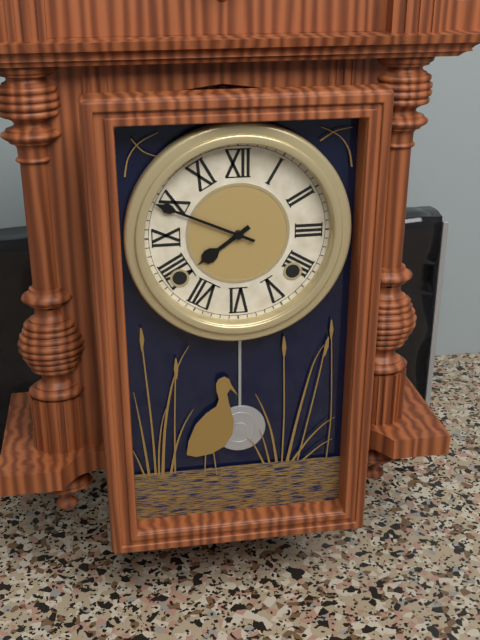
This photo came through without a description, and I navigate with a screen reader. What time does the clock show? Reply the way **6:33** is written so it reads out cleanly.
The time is **7:49**
